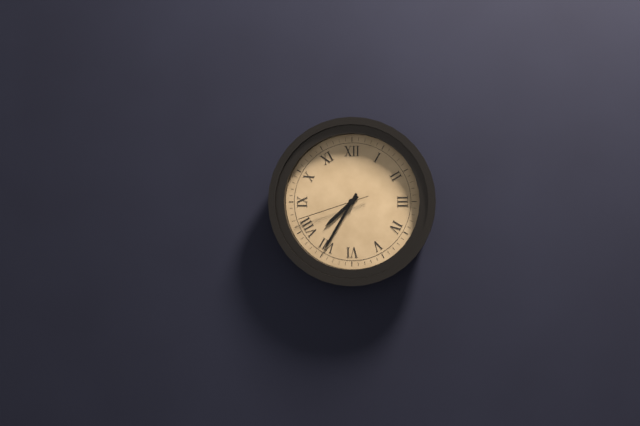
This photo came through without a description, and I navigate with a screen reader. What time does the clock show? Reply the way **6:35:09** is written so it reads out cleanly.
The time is **7:35:42**
